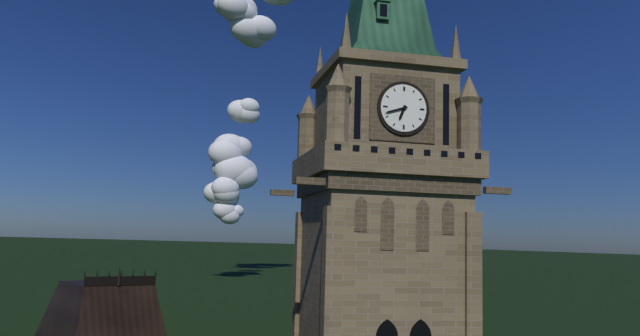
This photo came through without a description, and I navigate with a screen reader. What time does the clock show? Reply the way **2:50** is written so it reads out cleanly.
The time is **6:42**
